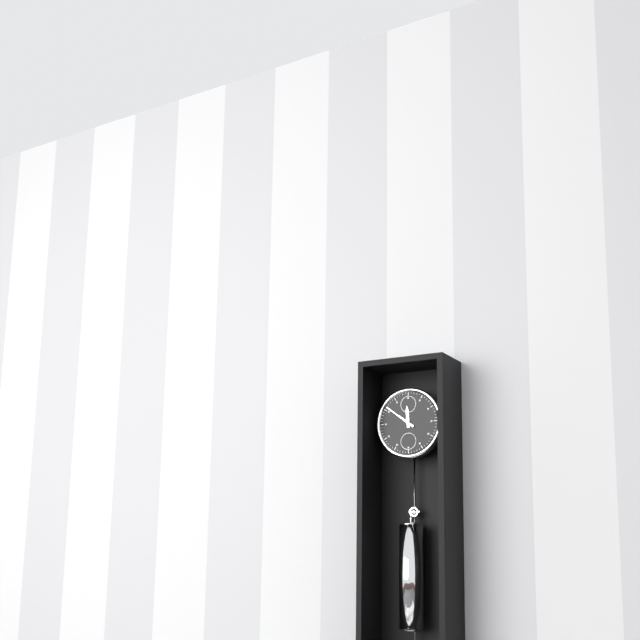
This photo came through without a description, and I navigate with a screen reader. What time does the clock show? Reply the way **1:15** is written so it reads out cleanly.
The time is **11:51**
